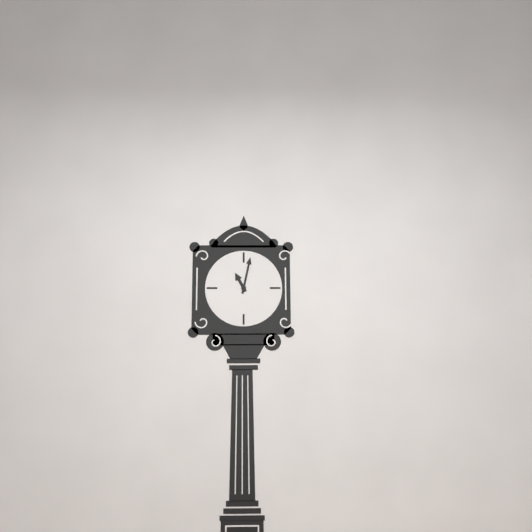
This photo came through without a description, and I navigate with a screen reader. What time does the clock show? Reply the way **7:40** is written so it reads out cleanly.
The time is **11:02**
